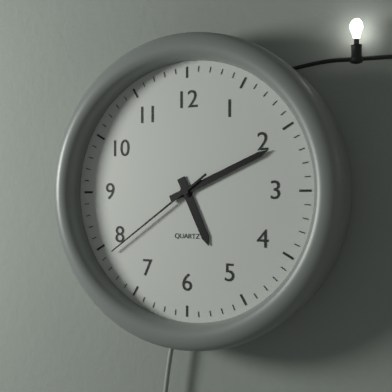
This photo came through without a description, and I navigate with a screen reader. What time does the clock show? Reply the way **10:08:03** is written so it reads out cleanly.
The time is **5:11:39**
